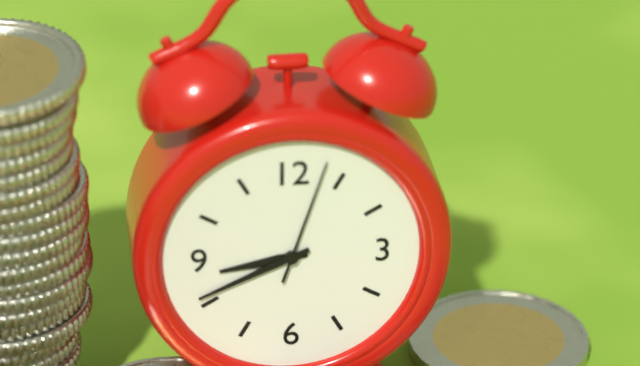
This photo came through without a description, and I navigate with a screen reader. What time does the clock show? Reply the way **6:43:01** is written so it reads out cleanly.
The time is **8:41:03**
